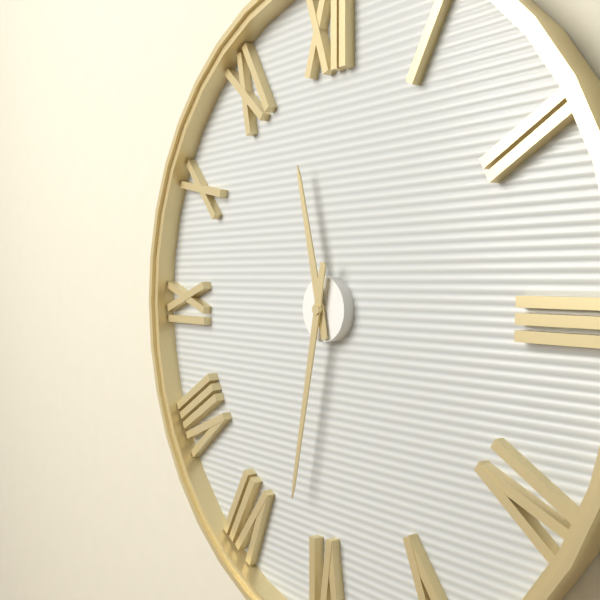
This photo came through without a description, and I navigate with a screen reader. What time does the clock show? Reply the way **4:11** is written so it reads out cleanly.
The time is **11:32**
